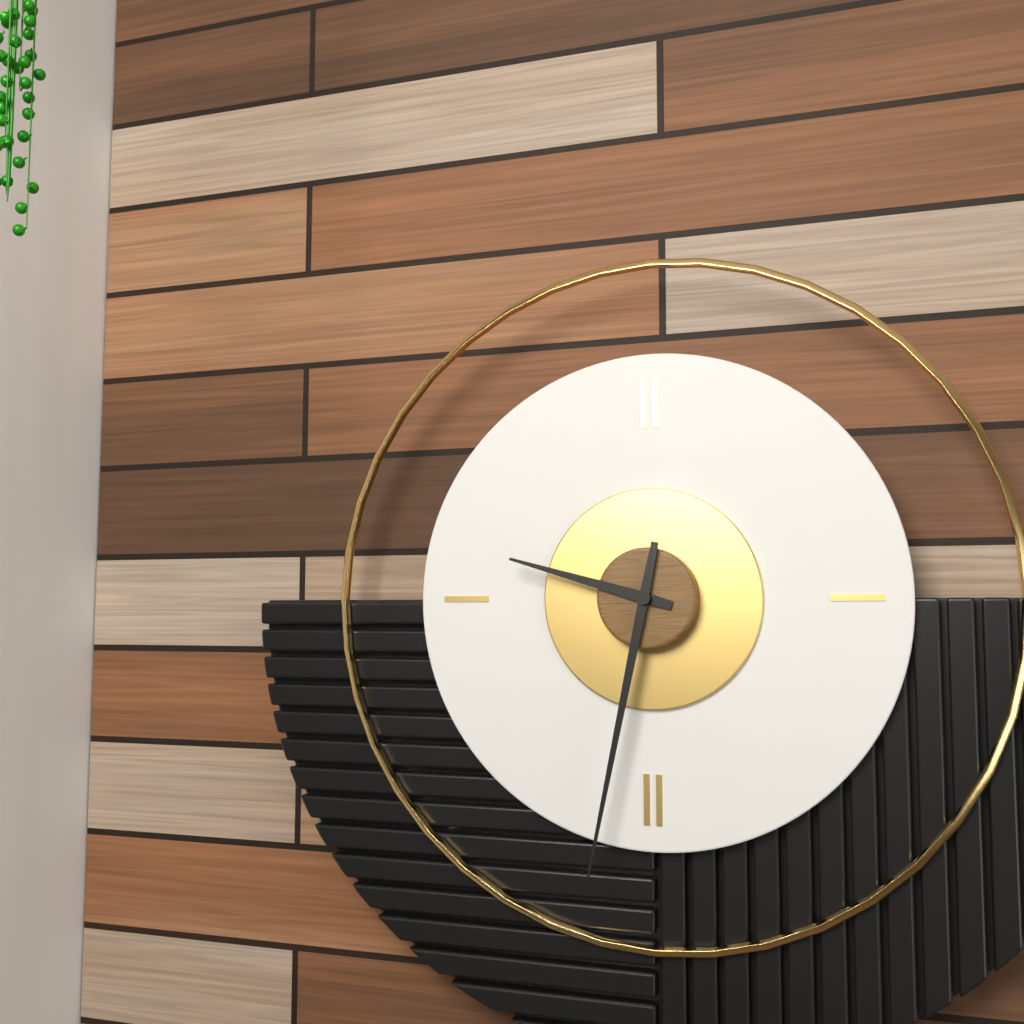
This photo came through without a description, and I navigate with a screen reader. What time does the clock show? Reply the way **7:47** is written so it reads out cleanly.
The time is **9:32**
